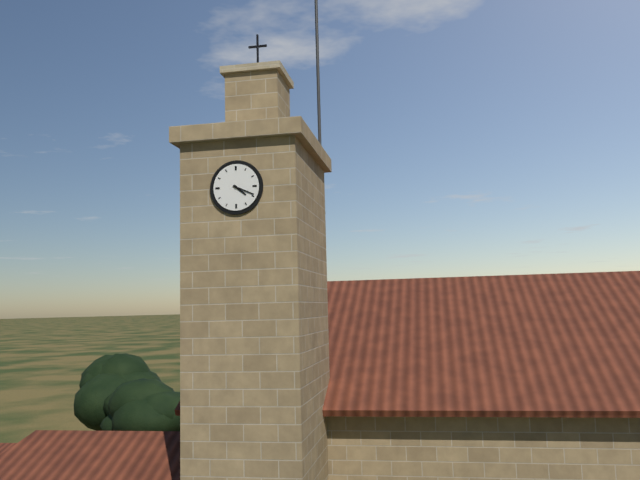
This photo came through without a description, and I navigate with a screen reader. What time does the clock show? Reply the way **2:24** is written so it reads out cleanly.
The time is **4:19**
